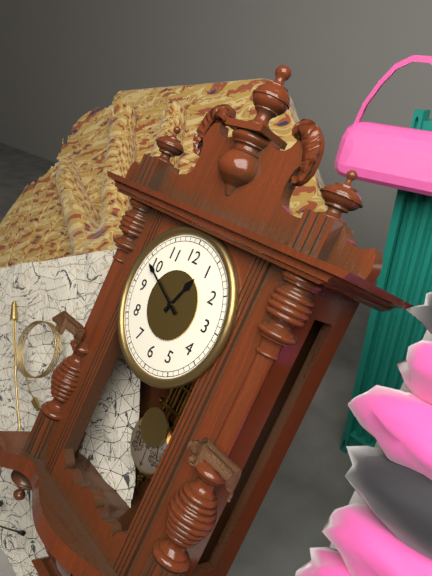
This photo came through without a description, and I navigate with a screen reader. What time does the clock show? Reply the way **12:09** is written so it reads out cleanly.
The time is **12:49**
